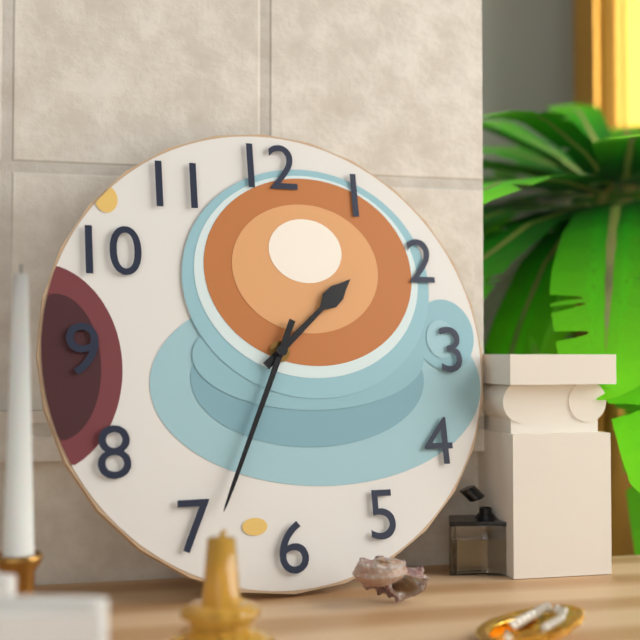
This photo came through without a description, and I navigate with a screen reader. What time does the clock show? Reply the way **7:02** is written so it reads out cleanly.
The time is **1:34**
